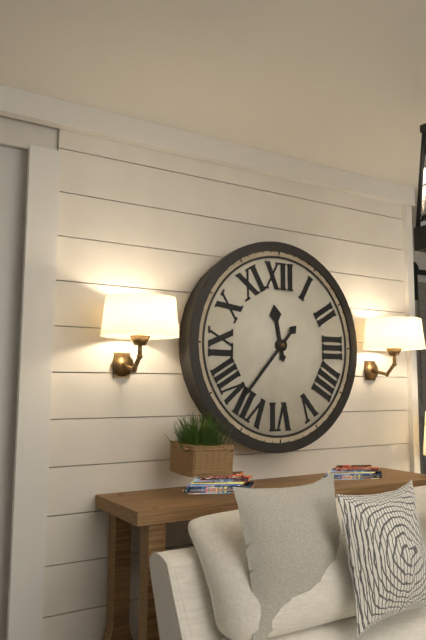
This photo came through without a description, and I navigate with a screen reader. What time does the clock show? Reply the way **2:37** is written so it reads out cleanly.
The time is **11:37**
